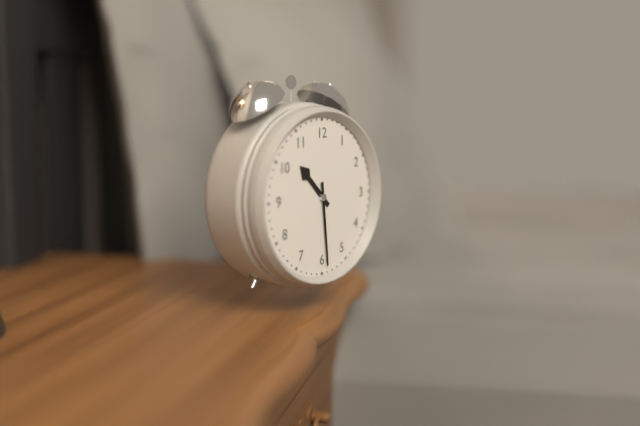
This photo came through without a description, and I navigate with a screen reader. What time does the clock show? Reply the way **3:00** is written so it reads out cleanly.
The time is **10:29**
